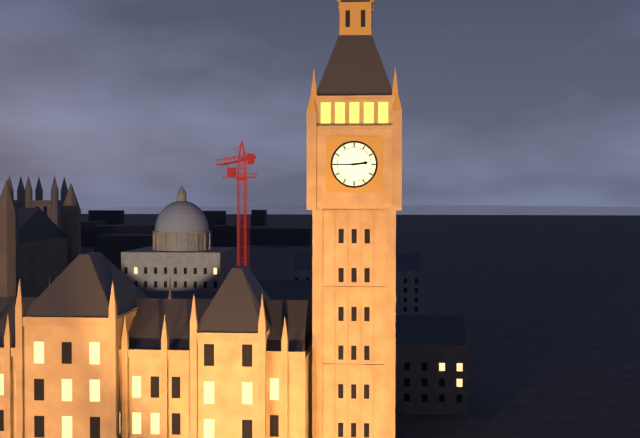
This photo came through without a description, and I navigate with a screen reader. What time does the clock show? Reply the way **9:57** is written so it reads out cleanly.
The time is **2:45**
